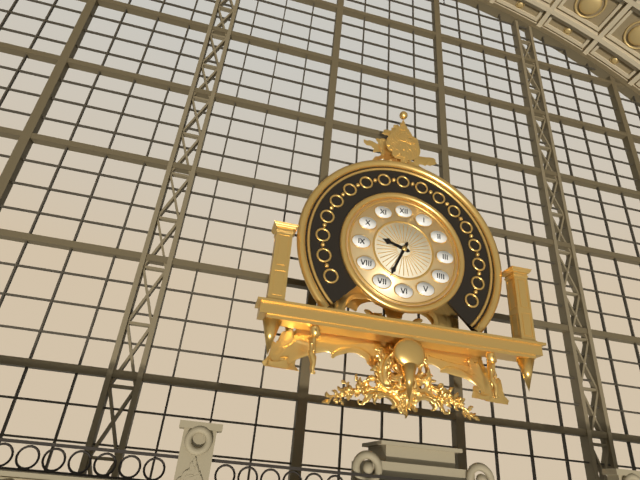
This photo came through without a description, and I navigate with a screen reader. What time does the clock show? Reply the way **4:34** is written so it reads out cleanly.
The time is **9:34**
